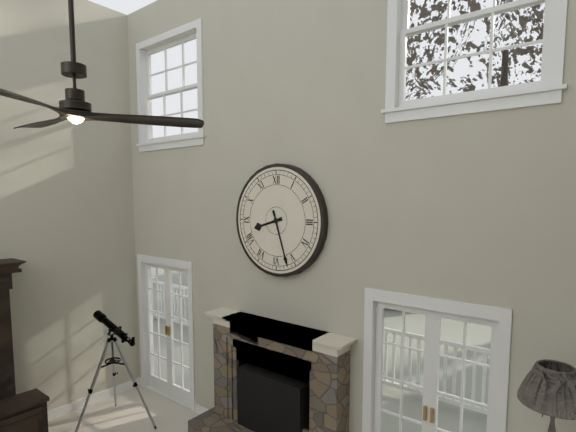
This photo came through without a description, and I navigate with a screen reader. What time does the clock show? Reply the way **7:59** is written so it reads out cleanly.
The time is **8:27**
